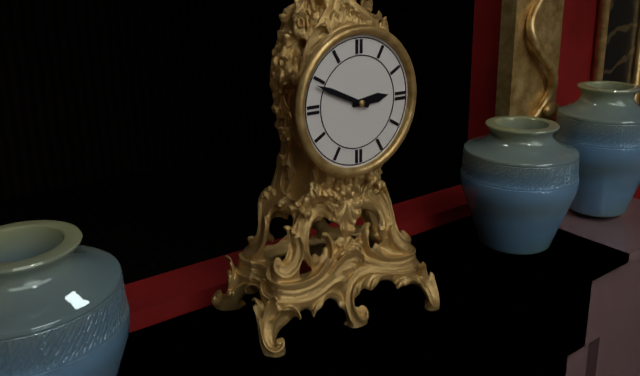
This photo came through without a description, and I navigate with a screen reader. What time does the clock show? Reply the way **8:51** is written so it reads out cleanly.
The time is **2:49**
